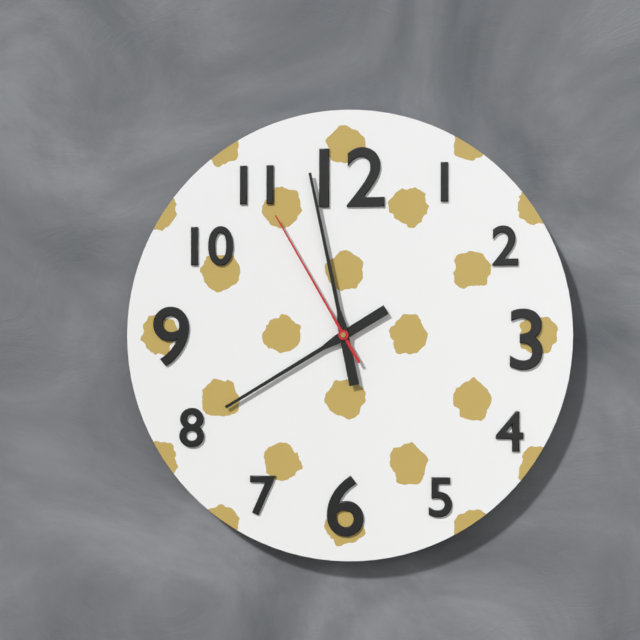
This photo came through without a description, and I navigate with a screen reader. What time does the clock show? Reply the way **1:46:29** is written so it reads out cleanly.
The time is **7:58:55**
